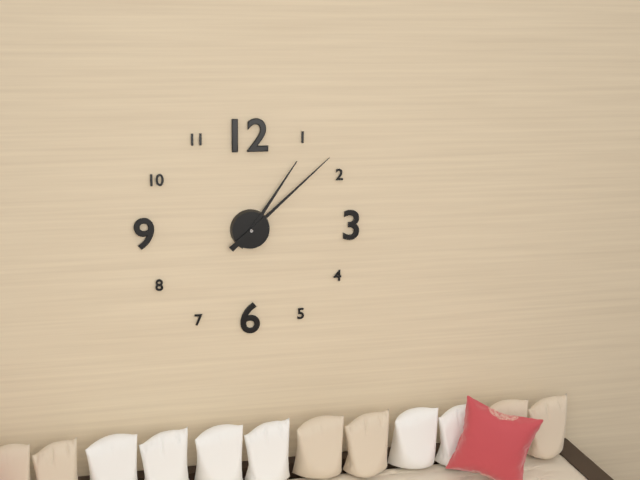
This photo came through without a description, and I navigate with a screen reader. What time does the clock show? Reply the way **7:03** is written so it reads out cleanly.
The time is **1:08**
